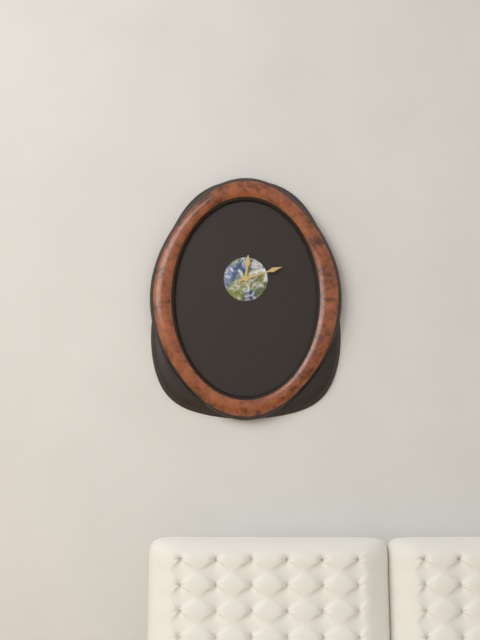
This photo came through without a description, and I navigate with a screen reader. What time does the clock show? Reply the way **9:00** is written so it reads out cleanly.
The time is **12:12**
